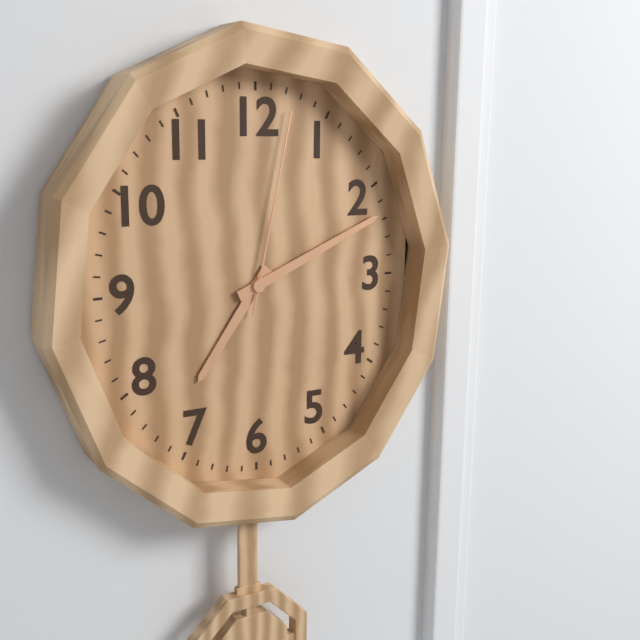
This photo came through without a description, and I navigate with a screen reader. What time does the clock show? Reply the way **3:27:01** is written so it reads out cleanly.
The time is **7:11:02**
